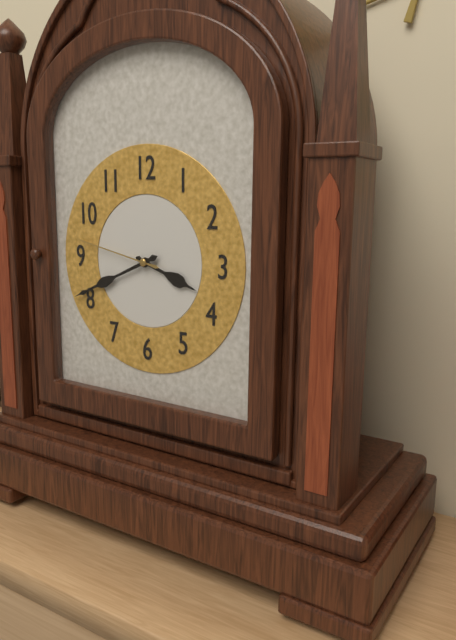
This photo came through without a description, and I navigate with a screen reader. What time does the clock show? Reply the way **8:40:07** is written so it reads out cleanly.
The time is **3:41:47**
